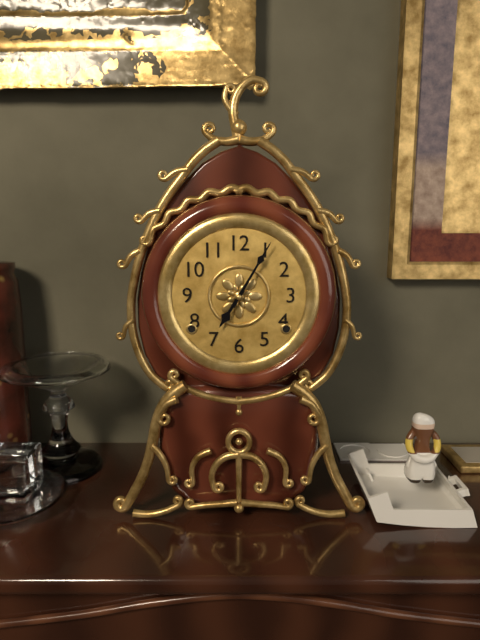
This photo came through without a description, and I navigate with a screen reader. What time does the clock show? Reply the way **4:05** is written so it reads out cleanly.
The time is **7:05**
